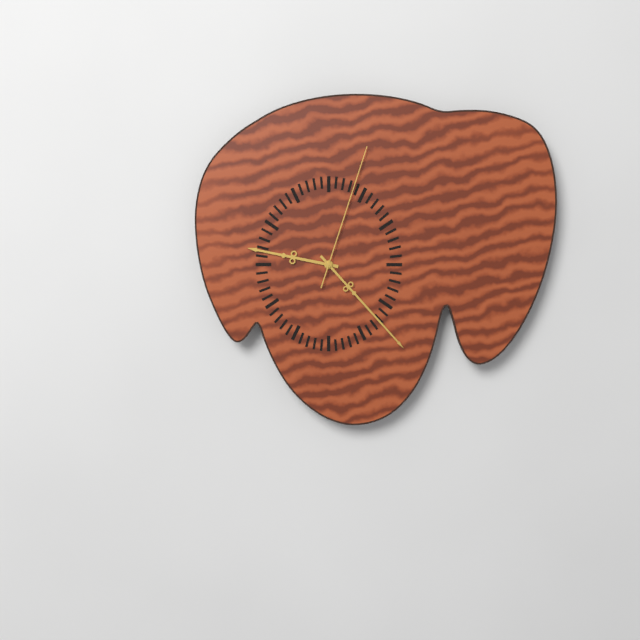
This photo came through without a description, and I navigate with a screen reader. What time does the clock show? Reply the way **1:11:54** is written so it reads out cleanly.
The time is **9:23:03**
